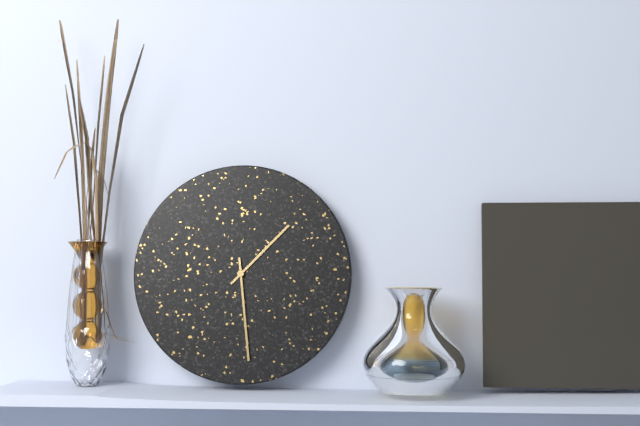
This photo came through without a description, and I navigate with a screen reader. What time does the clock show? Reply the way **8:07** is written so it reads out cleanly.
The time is **1:29**
